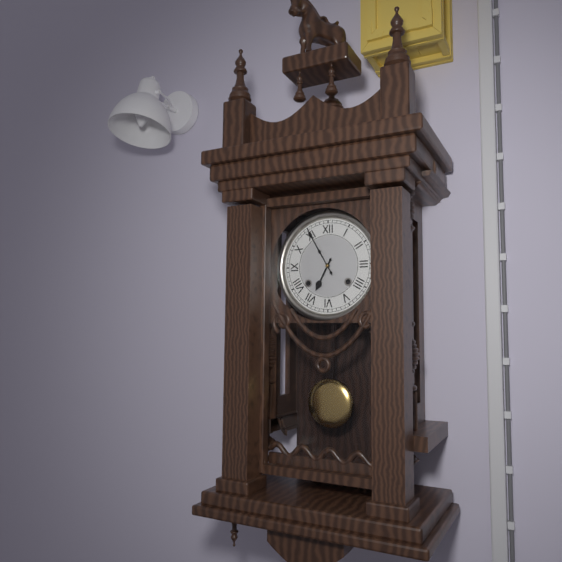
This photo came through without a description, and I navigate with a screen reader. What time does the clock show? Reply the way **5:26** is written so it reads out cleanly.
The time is **6:55**
